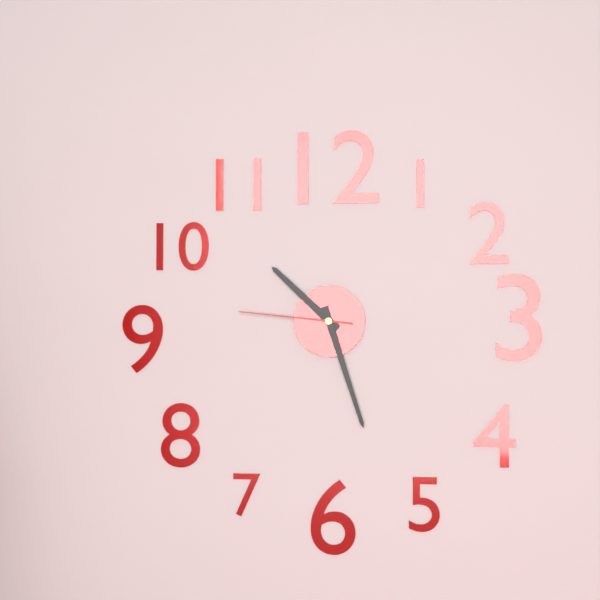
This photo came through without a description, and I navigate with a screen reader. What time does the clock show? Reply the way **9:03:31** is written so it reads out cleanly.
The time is **10:27:46**
